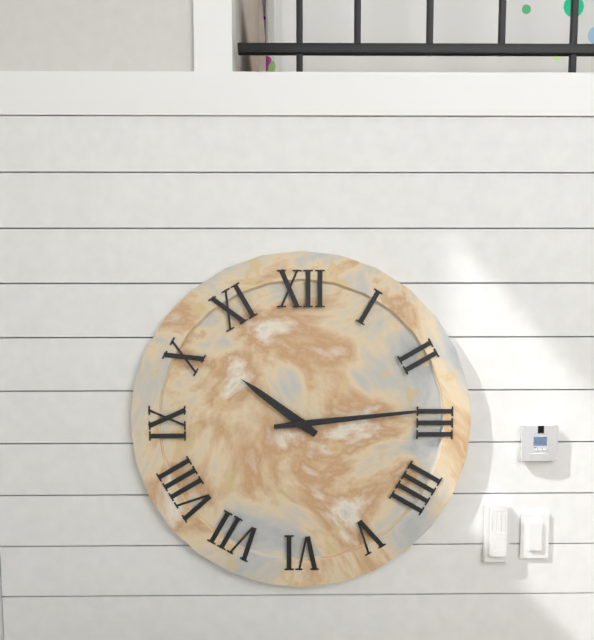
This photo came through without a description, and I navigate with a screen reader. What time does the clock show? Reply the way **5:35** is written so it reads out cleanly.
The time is **10:14**
